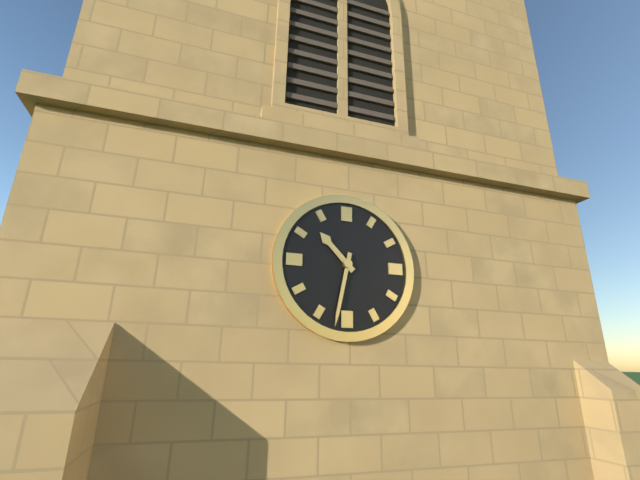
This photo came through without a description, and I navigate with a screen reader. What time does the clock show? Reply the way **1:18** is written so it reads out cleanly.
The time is **10:32**
